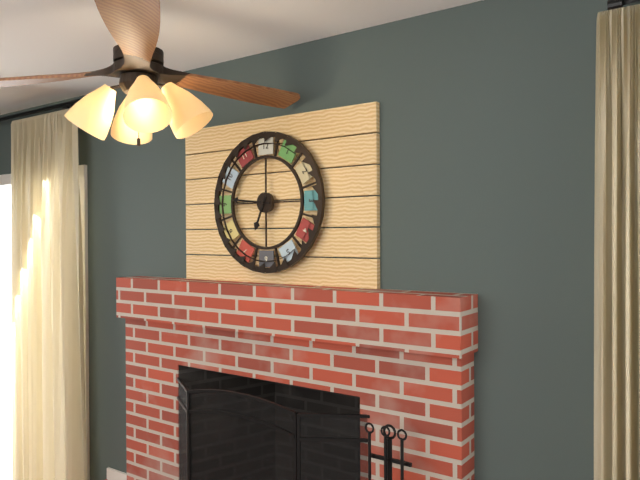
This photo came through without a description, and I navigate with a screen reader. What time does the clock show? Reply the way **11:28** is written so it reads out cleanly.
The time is **6:46**
